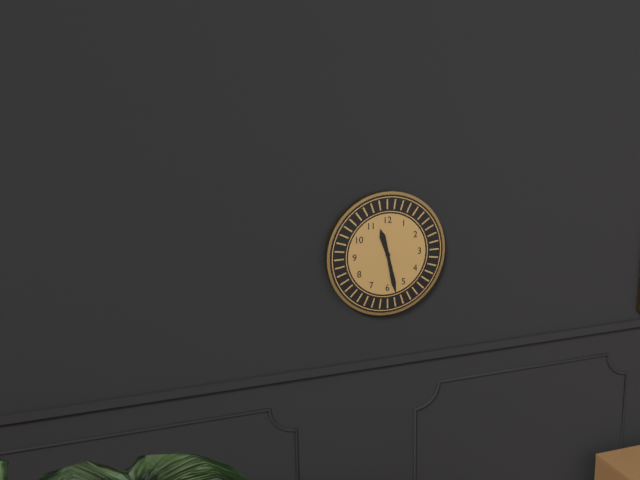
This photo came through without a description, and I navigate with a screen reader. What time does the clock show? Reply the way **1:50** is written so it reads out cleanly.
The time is **11:28**
